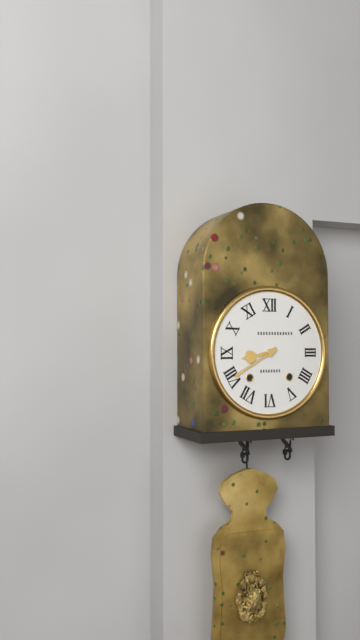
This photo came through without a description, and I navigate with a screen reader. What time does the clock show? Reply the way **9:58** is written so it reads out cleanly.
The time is **8:40**
